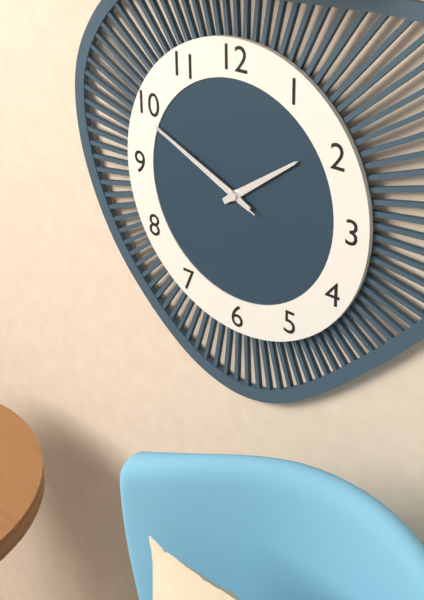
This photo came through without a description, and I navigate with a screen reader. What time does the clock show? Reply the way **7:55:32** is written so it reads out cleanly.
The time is **1:49:49**
